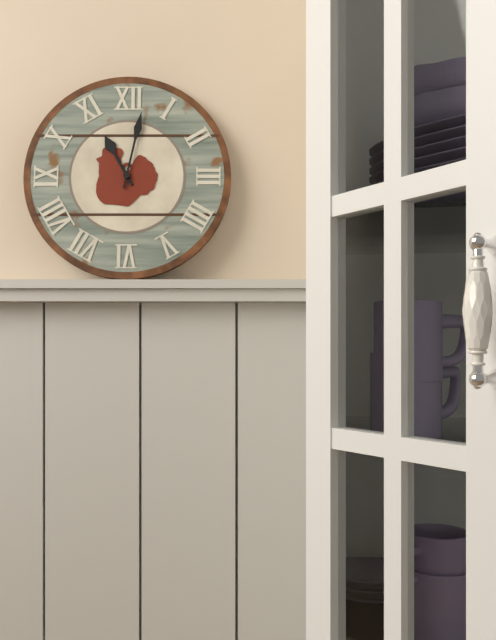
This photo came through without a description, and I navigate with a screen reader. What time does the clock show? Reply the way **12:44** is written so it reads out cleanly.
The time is **11:02**
